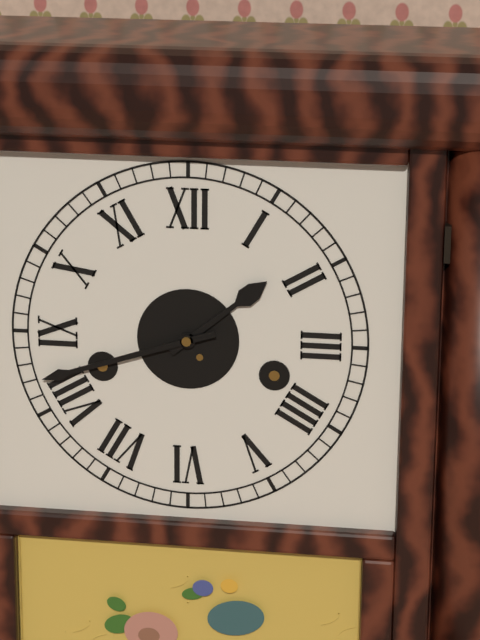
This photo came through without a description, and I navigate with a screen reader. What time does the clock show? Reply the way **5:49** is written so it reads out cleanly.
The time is **1:42**
